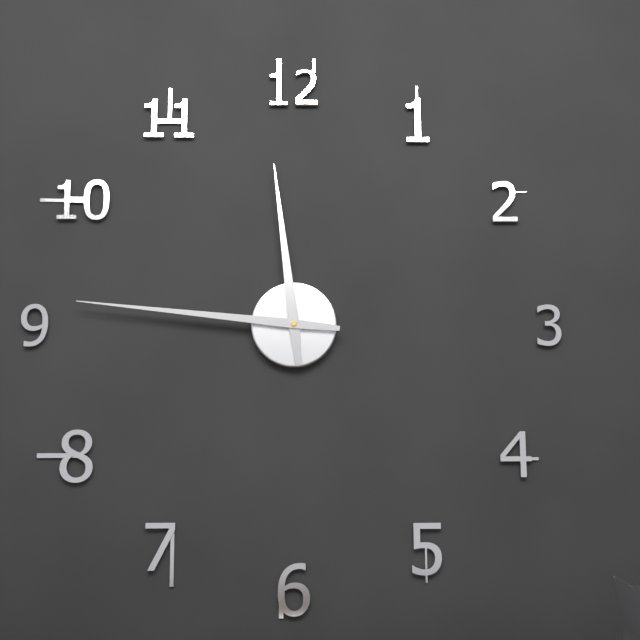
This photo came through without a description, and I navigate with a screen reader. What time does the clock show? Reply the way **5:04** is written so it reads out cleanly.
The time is **11:46**
